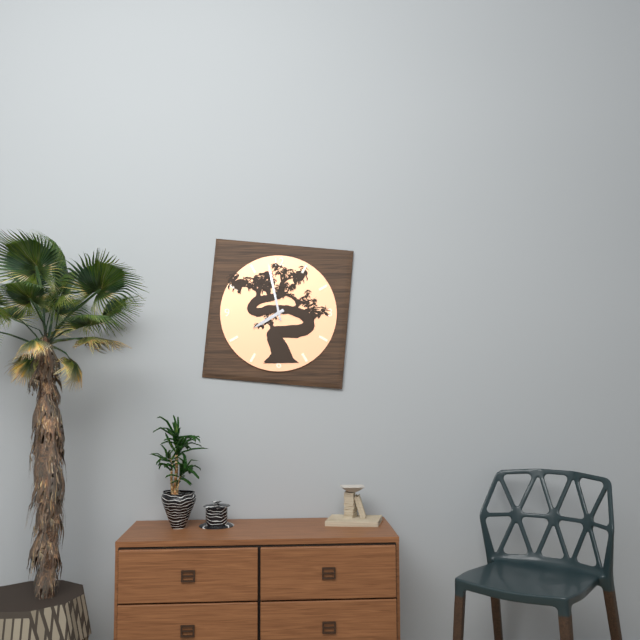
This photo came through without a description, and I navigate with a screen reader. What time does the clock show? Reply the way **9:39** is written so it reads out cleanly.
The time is **7:58**
